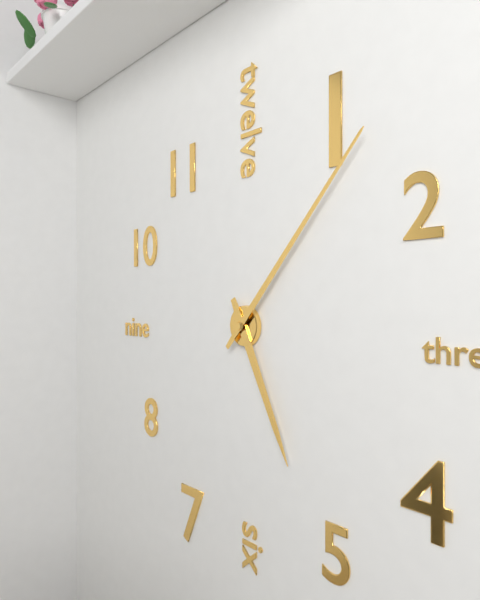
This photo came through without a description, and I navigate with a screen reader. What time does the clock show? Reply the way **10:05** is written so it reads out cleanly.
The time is **5:07**
